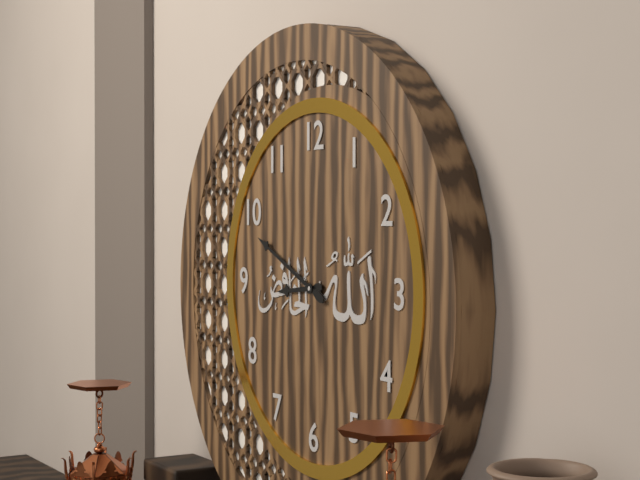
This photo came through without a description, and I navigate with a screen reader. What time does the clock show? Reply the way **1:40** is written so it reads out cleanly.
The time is **8:49**
